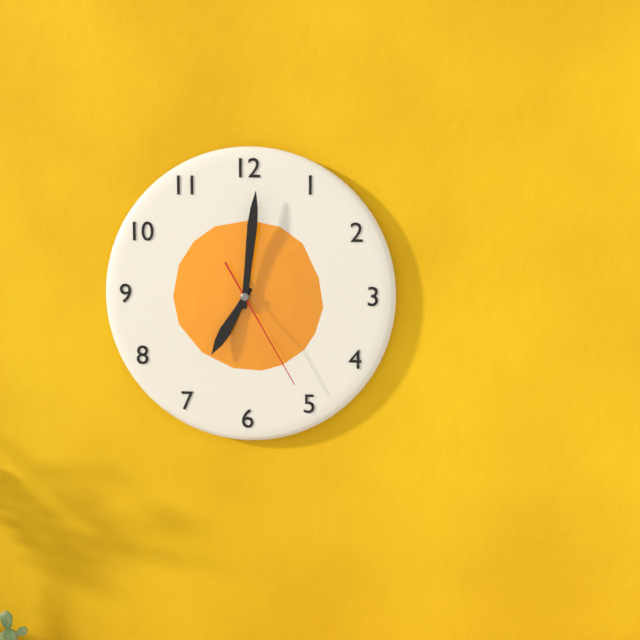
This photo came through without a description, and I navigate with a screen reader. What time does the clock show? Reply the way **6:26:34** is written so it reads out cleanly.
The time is **7:01:25**
